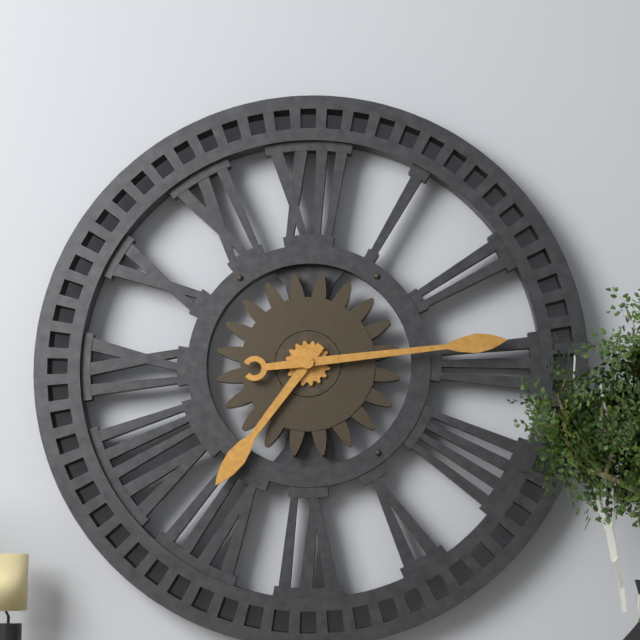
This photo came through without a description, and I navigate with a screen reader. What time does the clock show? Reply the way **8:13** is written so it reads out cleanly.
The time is **7:14**
